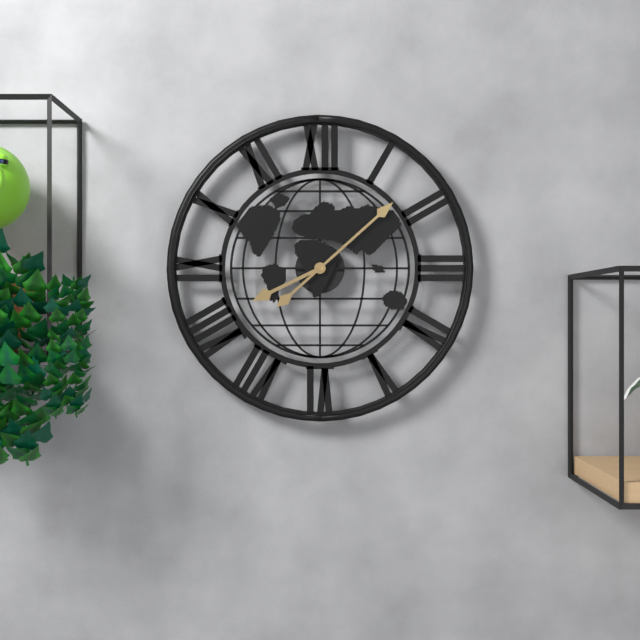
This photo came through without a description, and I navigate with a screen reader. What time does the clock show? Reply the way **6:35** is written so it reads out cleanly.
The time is **8:08**
